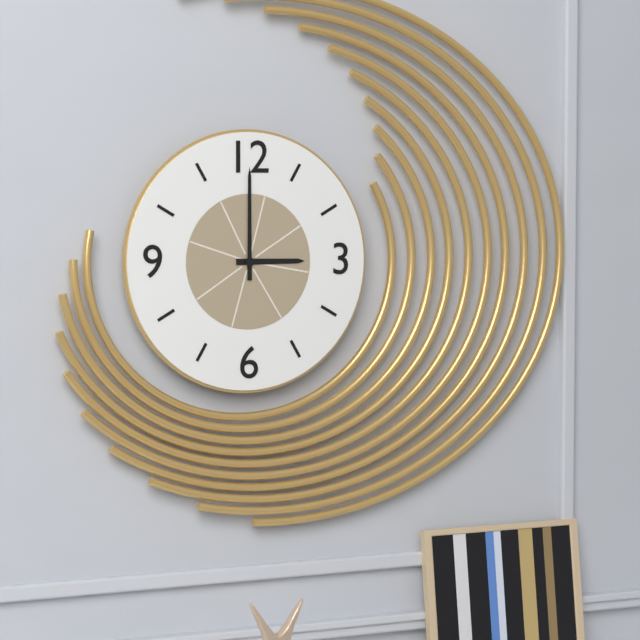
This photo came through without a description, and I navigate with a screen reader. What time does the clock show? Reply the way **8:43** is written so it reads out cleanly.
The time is **3:00**
